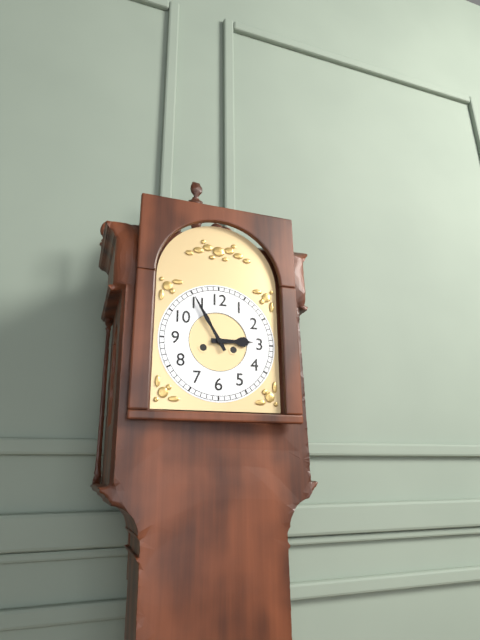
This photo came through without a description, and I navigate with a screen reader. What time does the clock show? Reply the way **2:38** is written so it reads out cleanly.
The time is **2:55**
